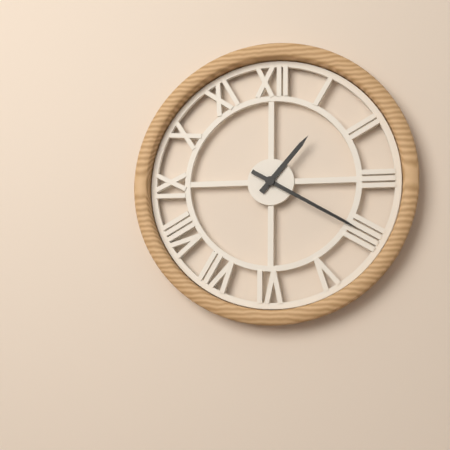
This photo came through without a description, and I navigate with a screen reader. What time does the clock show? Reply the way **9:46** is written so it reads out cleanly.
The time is **1:20**
